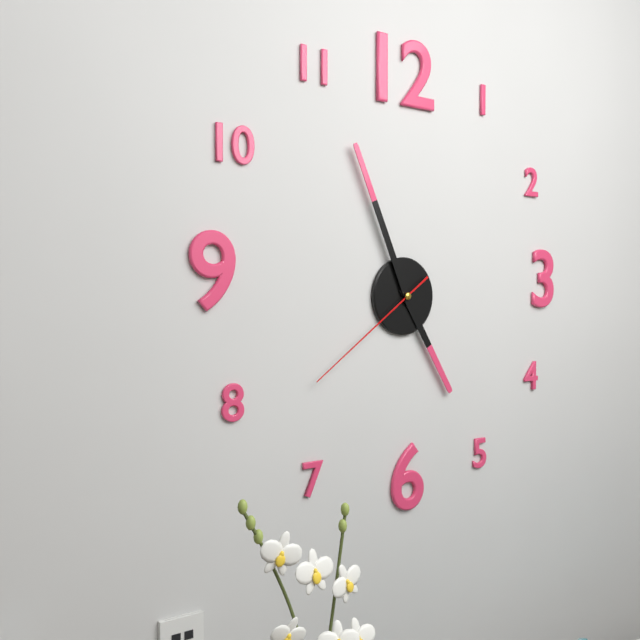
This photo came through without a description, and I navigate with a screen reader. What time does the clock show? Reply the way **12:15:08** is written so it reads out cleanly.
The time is **4:56:39**
